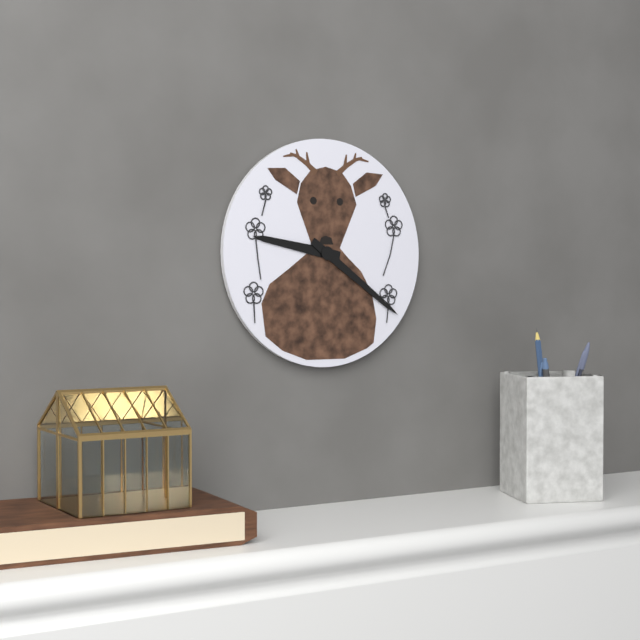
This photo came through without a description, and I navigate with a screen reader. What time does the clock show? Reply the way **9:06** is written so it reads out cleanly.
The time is **9:21**
